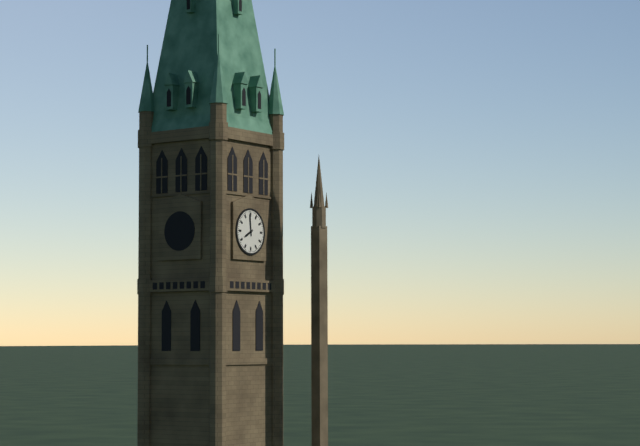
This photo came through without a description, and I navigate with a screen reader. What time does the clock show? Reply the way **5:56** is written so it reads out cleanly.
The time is **7:59**
